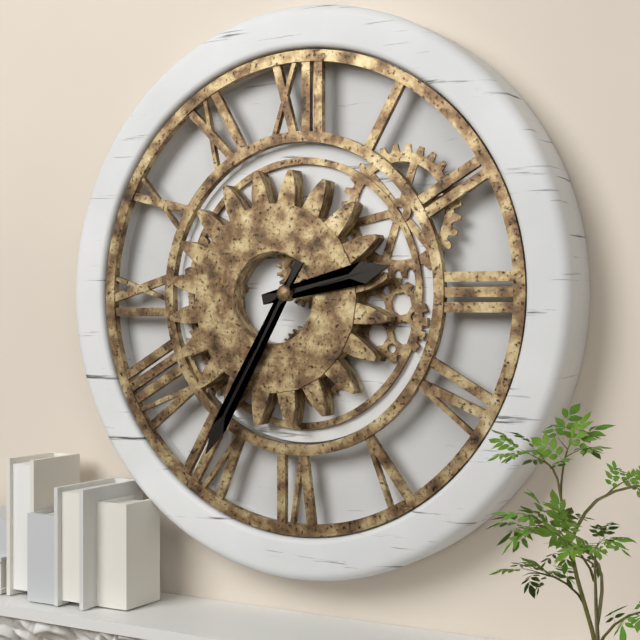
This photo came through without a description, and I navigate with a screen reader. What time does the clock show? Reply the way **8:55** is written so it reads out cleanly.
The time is **2:35**
